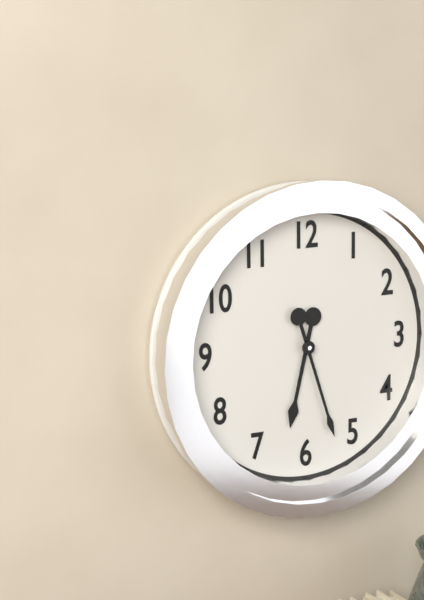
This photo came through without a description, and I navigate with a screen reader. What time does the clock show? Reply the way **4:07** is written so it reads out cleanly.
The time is **6:27**
